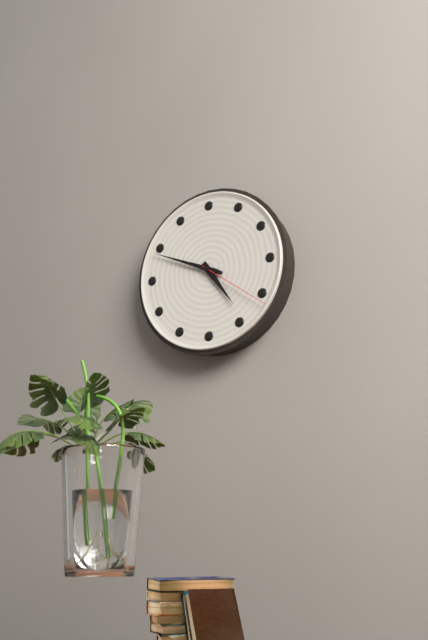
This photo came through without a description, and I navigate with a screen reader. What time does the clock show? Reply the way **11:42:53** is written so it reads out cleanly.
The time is **4:49:21**
